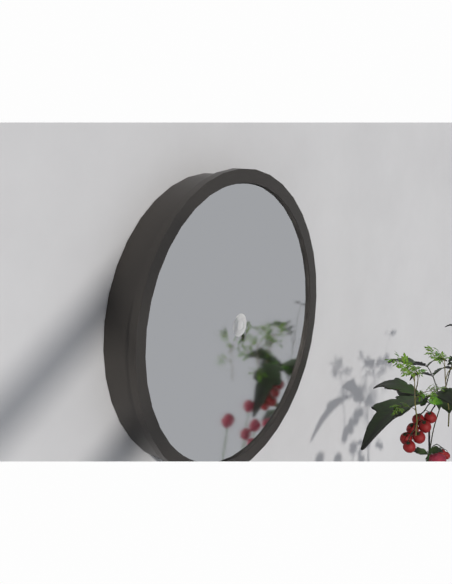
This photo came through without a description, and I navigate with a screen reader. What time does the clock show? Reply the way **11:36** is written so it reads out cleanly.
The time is **6:36**
